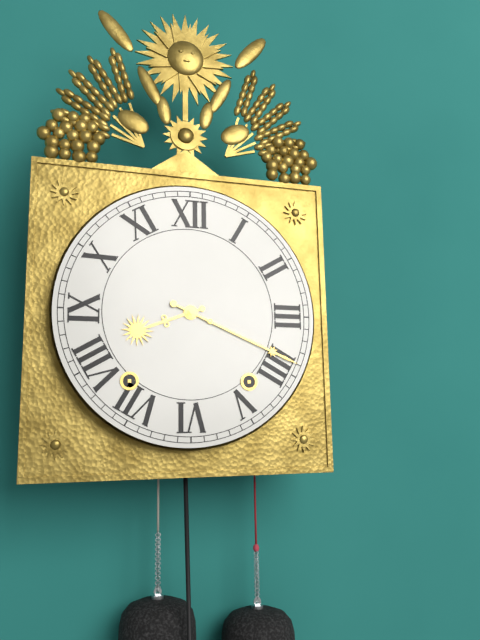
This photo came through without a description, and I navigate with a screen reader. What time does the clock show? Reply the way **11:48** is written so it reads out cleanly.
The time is **8:19**
